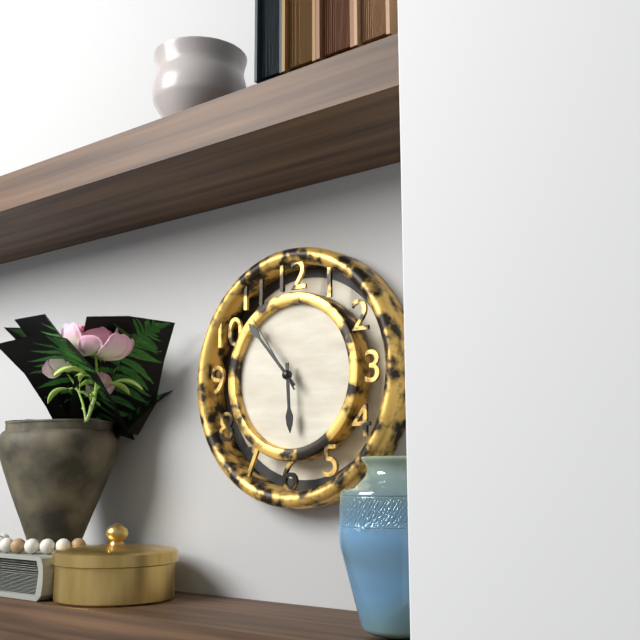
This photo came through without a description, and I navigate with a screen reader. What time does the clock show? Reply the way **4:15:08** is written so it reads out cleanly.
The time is **5:53:54**
